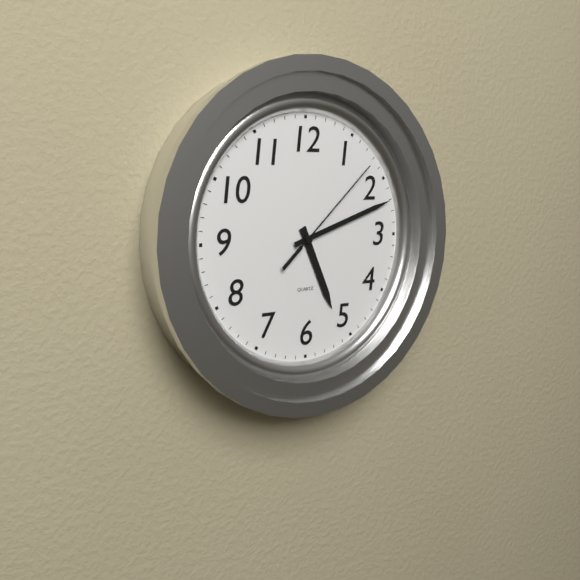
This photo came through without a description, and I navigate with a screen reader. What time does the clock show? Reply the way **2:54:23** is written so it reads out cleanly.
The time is **5:12:08**
